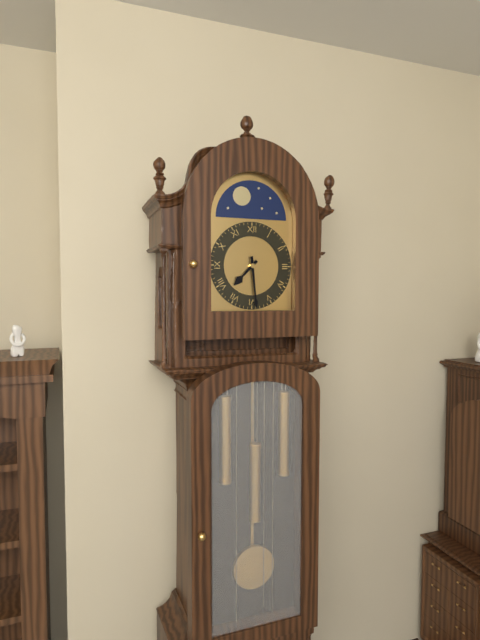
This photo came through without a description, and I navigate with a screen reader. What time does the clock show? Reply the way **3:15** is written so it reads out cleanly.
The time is **7:29**
